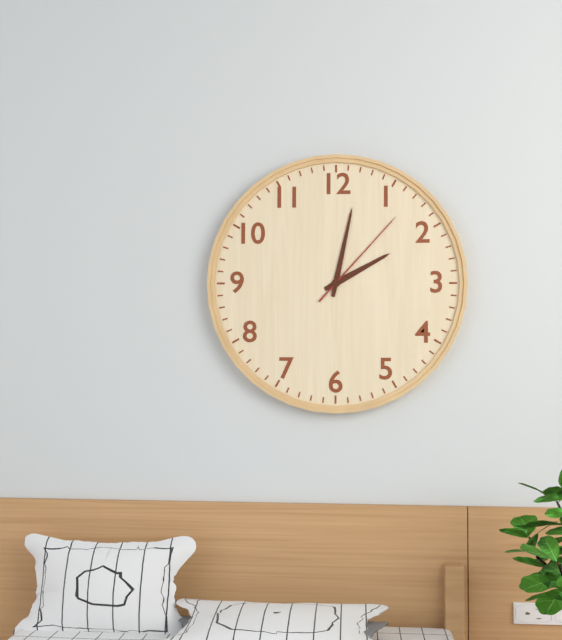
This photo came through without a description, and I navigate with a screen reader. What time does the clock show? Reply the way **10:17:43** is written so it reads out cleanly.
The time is **2:02:07**
